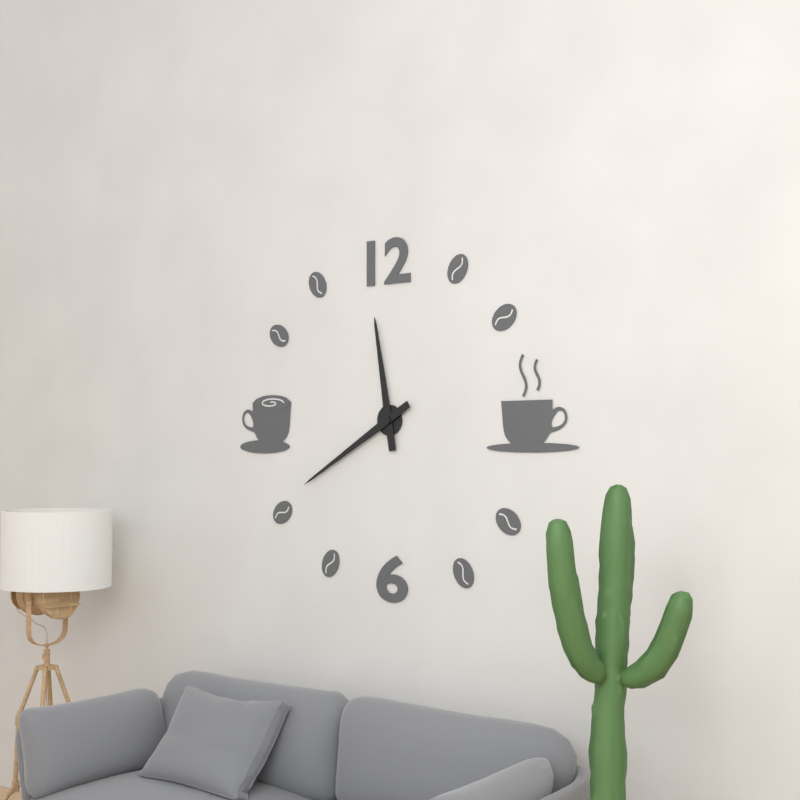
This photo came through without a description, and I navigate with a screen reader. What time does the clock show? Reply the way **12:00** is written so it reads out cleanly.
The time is **11:40**
